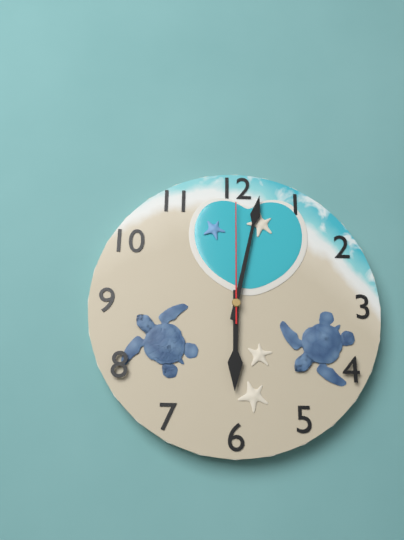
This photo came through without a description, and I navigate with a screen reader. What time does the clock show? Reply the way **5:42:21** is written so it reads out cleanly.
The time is **6:02:00**
